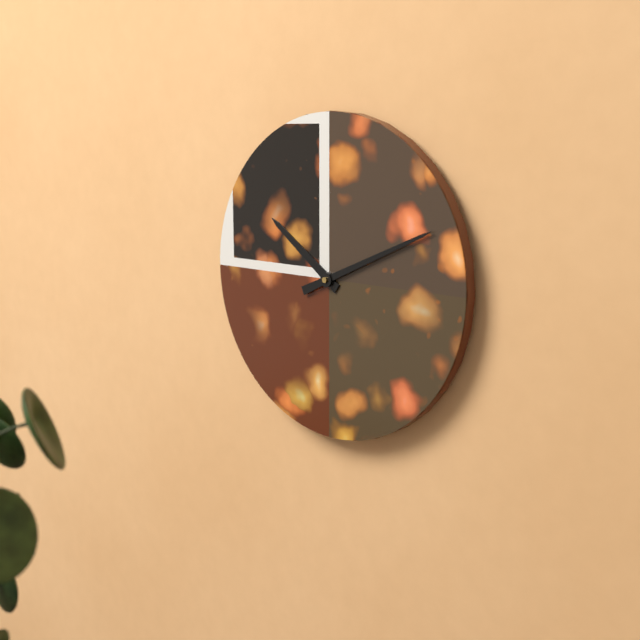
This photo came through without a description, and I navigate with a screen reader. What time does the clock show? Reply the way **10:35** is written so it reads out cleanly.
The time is **10:11**
